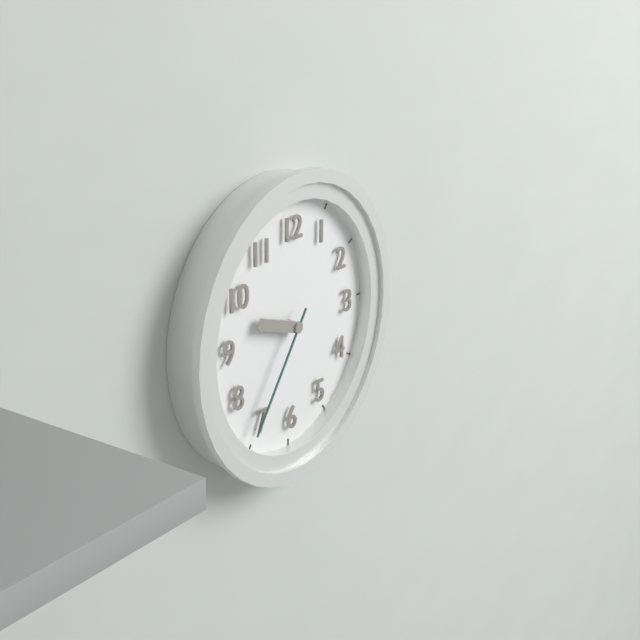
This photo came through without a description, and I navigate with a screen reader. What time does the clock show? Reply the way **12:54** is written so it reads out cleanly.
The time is **9:36**
